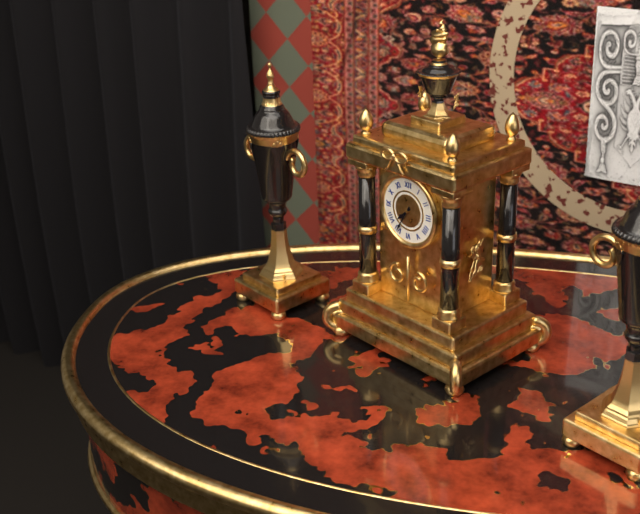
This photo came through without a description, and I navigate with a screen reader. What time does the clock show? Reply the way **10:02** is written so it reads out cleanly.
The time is **7:35**
